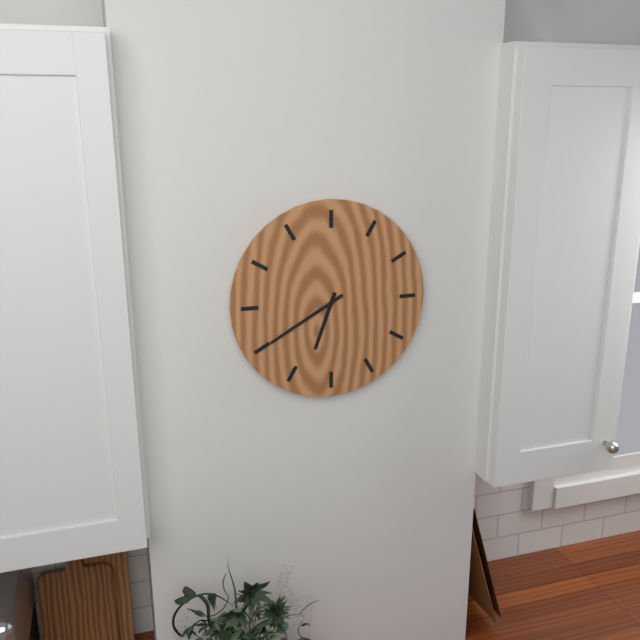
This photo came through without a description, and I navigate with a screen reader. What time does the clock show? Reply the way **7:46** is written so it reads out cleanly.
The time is **6:40**
